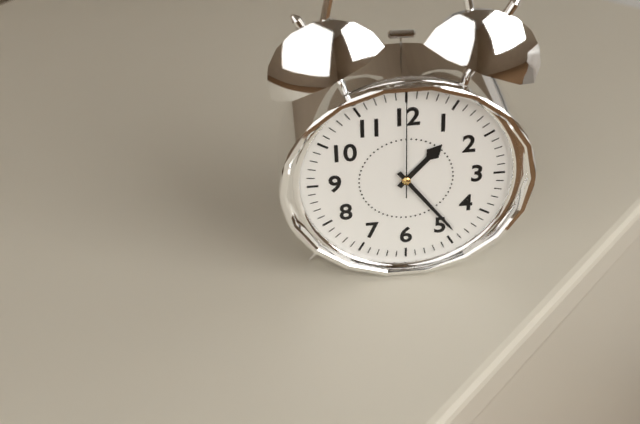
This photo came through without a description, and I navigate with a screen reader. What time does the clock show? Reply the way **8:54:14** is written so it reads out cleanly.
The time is **1:24:00**
